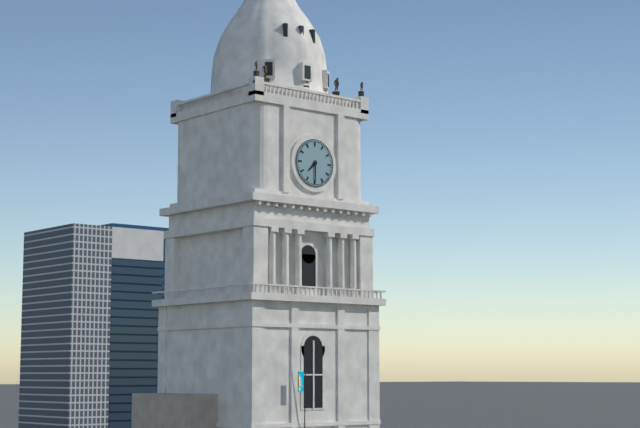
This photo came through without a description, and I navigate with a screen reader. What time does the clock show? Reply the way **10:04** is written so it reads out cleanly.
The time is **7:30**
